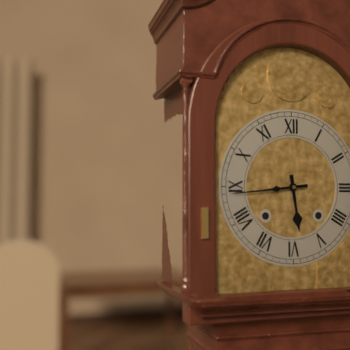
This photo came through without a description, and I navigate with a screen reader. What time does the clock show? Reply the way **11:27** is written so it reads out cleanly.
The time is **5:44**
